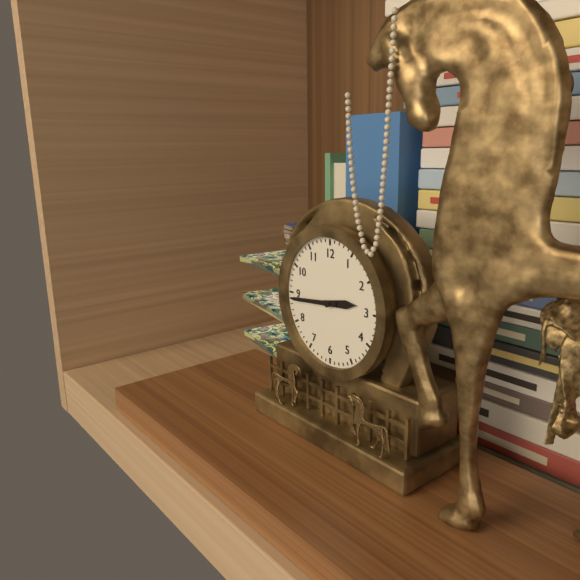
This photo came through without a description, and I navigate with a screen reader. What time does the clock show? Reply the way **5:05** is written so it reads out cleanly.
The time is **2:44**
